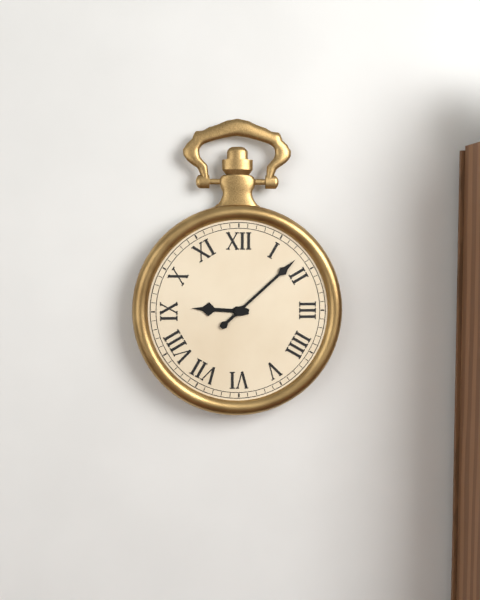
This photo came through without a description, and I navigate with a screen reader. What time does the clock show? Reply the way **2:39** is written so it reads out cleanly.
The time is **9:08**
